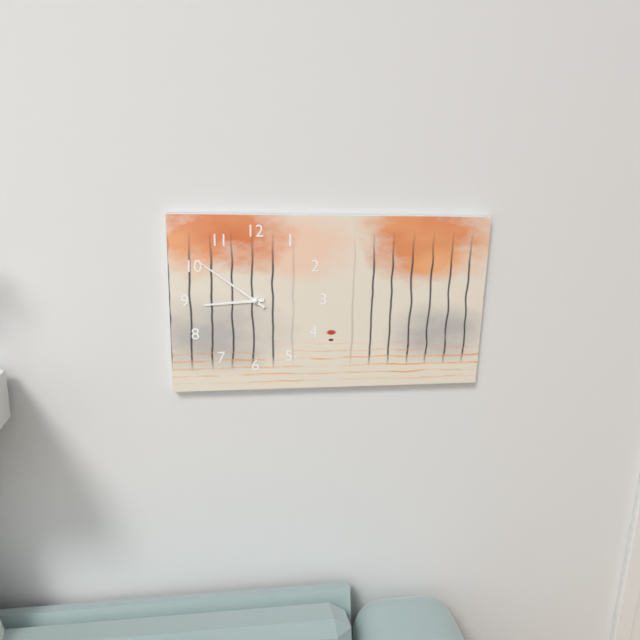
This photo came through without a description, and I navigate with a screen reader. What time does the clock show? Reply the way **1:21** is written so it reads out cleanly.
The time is **8:51**
